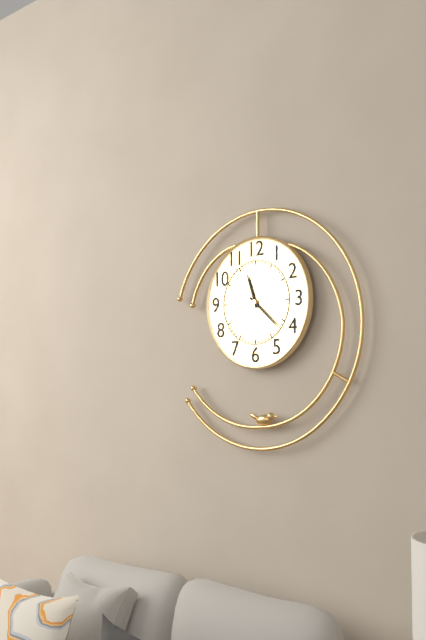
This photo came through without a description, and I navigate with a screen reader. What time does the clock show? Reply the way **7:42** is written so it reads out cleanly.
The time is **11:22**
